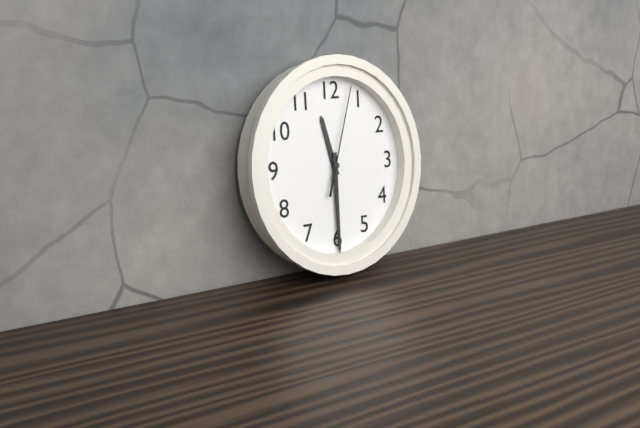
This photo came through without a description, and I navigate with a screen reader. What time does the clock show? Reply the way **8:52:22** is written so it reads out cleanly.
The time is **11:30:03**
